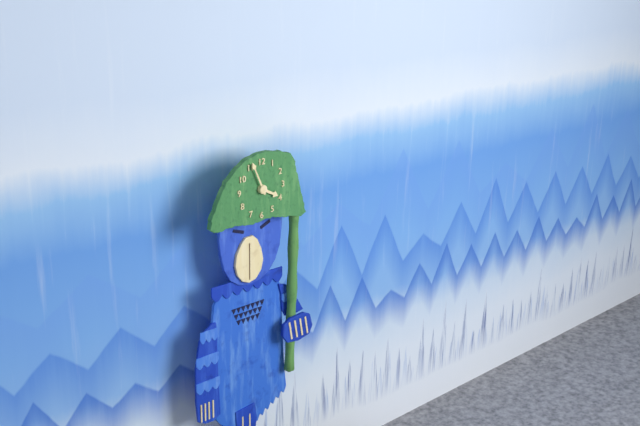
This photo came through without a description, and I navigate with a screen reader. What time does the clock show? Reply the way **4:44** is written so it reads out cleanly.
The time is **3:56**
